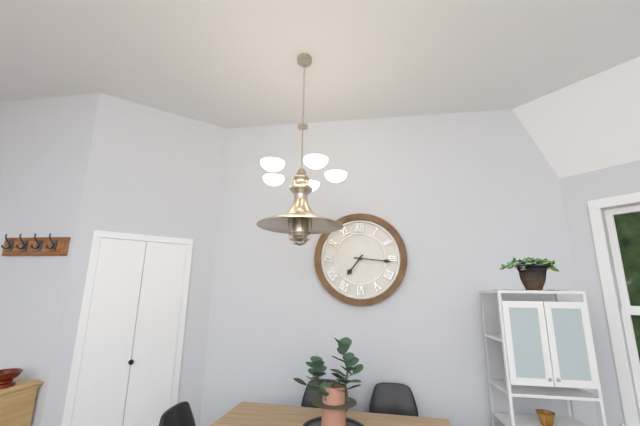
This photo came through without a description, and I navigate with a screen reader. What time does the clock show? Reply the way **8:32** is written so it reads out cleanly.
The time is **7:16**
